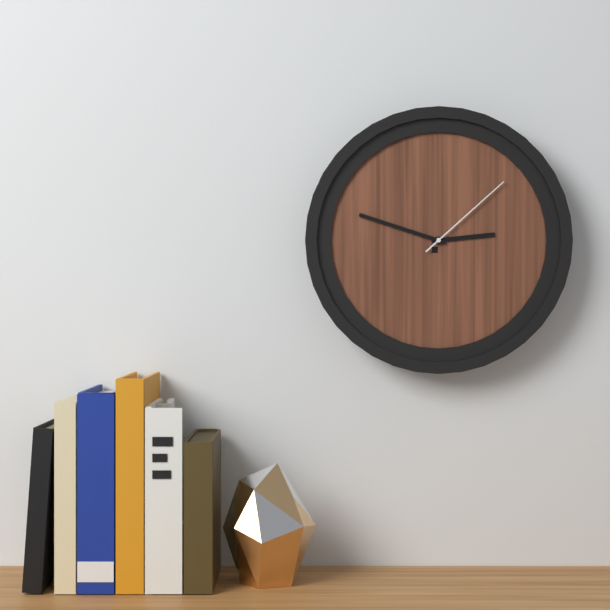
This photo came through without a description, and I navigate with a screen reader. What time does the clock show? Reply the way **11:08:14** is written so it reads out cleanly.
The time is **2:48:08**
